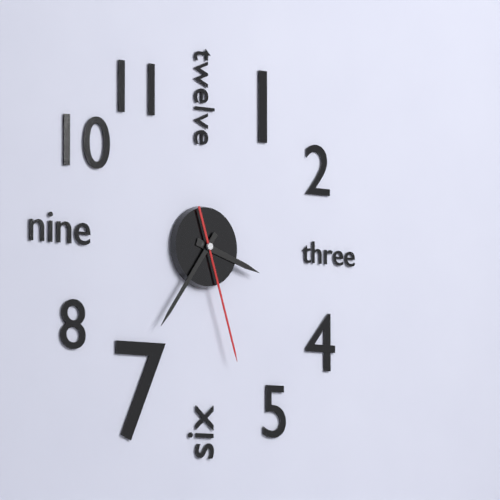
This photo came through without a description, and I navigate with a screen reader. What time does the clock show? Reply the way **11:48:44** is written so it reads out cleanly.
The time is **3:36:27**
